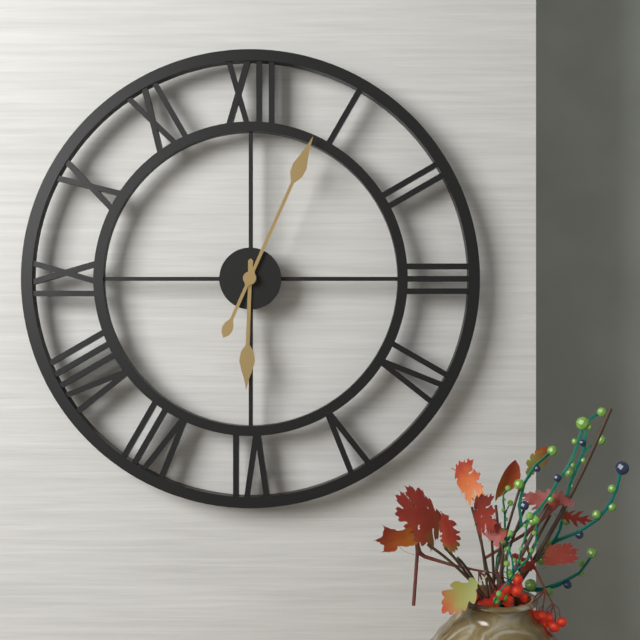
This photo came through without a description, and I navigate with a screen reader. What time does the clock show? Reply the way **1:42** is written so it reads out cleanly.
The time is **6:04**
